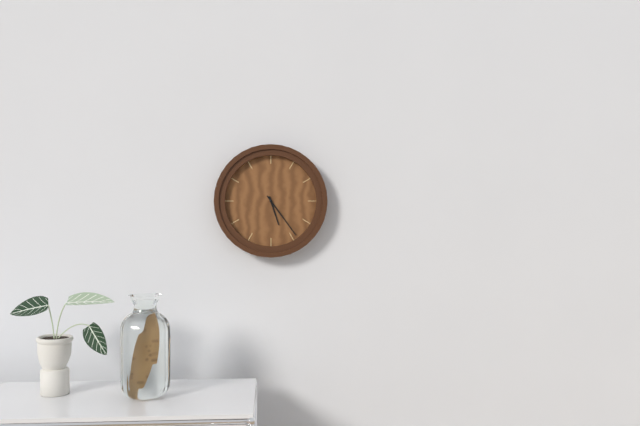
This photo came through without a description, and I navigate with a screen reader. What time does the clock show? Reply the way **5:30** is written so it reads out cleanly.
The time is **5:24**
